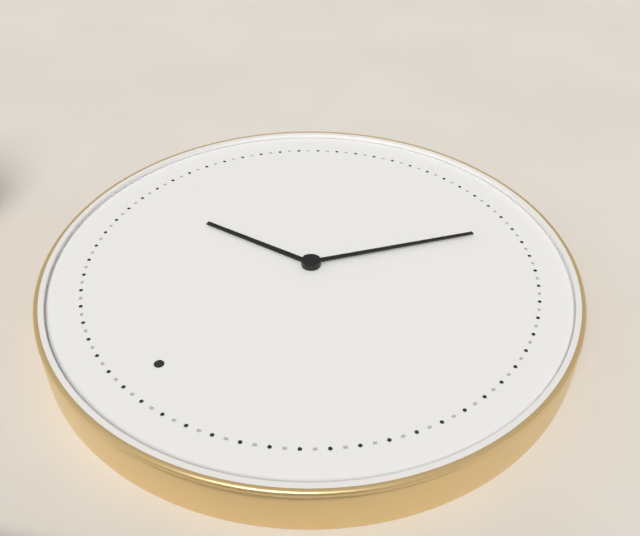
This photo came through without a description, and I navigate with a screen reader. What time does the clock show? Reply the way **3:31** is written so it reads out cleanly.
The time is **2:35**
